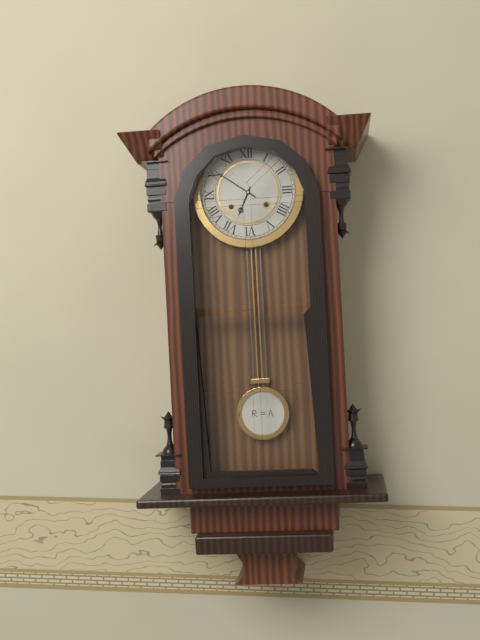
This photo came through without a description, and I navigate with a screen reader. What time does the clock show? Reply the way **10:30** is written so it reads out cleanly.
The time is **6:51**
